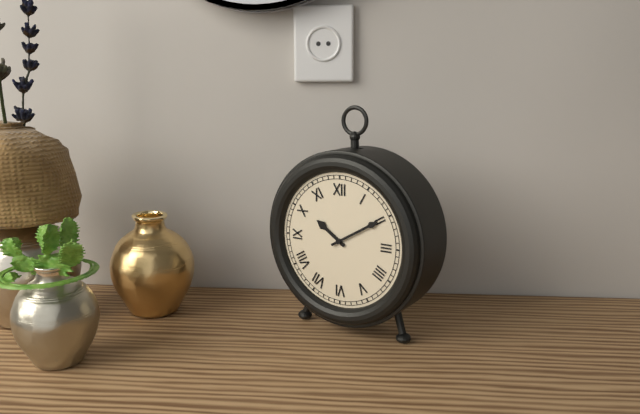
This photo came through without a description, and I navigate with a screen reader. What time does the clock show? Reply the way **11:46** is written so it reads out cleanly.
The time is **10:10**
